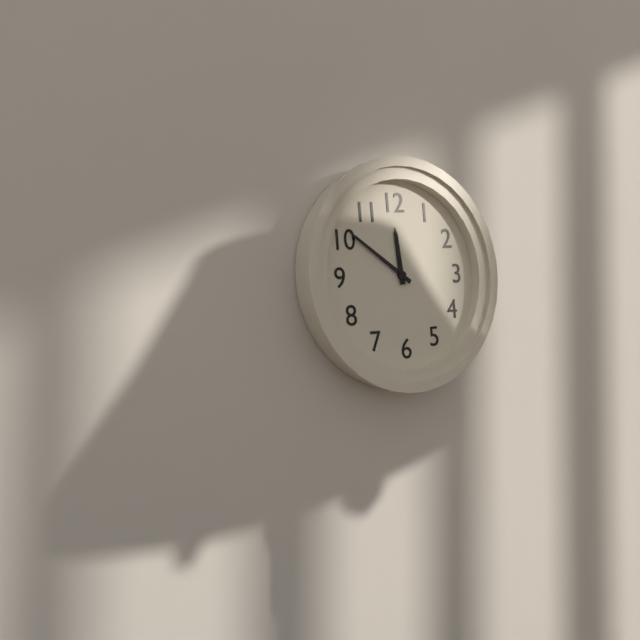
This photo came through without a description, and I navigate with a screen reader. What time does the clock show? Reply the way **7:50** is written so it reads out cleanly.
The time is **11:51**
